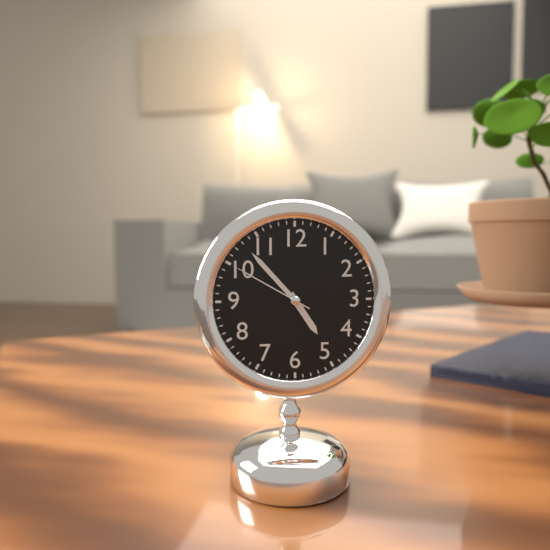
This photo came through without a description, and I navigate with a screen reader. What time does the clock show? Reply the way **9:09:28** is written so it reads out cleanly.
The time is **4:53:50**
